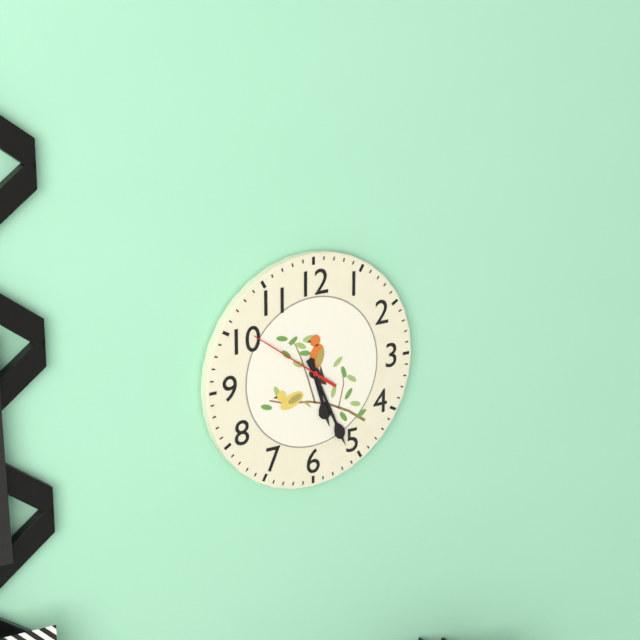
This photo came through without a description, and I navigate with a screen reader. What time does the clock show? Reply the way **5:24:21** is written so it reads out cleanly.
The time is **5:26:51**
